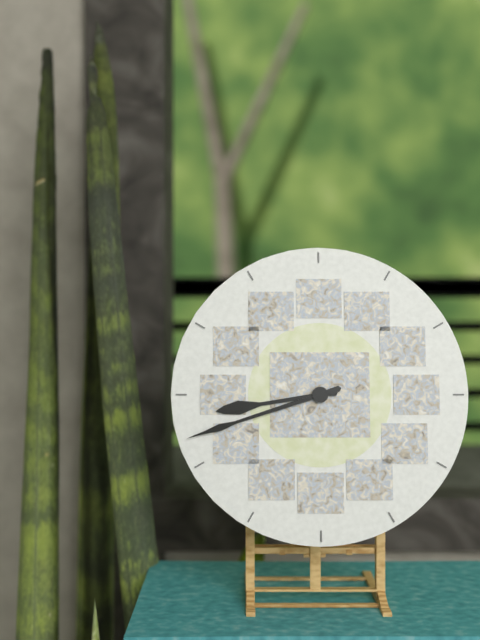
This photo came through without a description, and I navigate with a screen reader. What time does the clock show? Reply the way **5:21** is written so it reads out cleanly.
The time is **8:42**
